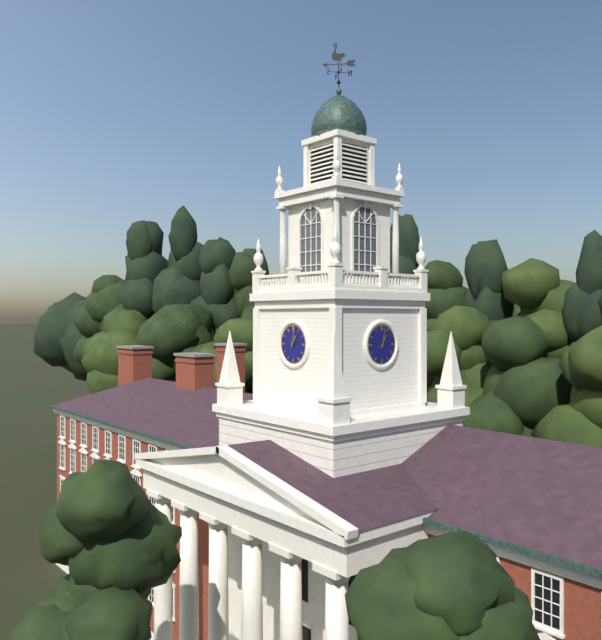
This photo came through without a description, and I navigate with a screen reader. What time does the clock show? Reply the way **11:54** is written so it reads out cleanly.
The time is **1:02**
